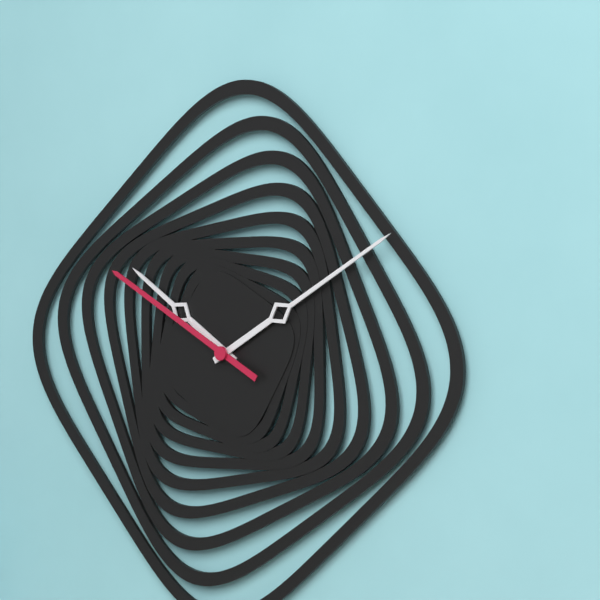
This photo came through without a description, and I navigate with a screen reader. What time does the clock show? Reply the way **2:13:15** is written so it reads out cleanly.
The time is **10:10:50**
